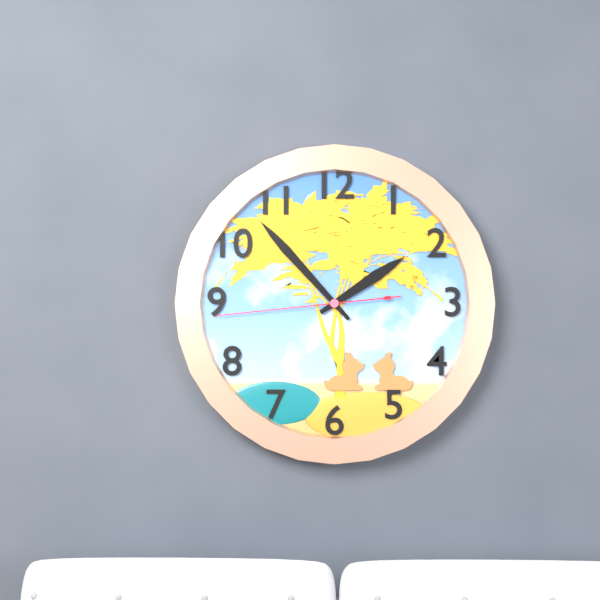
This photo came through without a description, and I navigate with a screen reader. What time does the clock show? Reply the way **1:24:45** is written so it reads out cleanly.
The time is **1:53:44**
